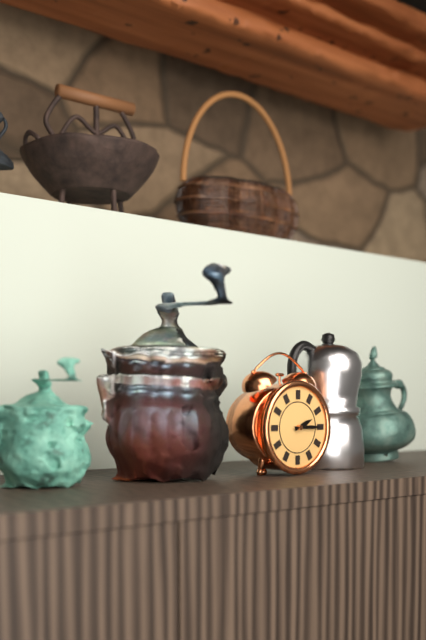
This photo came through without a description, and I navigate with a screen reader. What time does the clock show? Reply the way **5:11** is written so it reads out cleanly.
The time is **2:15**
